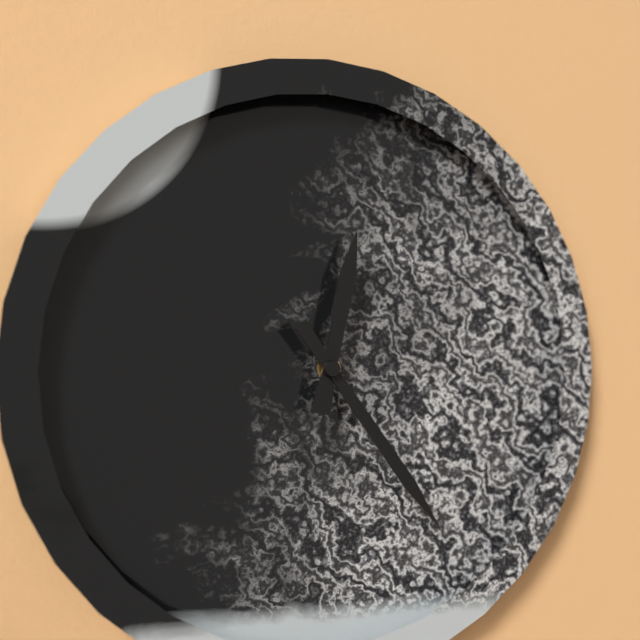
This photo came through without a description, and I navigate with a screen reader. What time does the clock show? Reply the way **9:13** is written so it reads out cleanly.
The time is **12:24**
